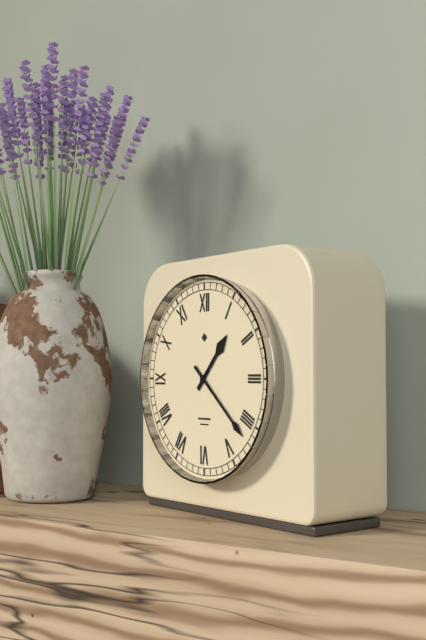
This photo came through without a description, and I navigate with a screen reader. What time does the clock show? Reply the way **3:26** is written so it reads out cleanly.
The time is **1:22**
